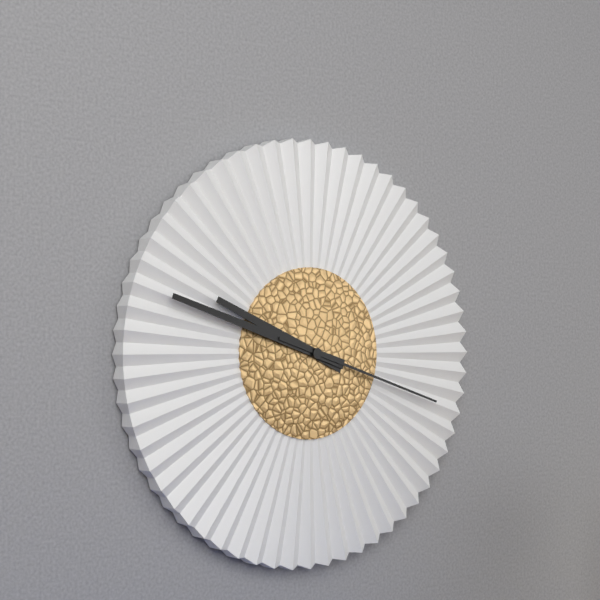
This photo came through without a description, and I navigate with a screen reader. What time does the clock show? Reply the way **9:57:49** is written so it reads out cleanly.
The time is **9:48:18**
